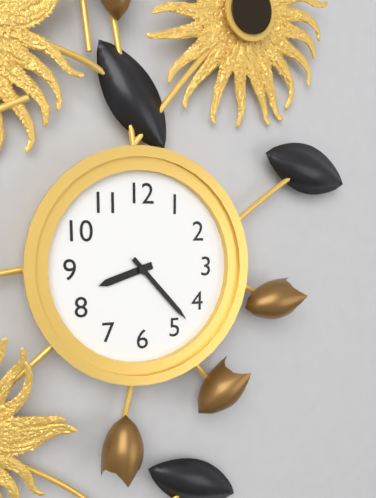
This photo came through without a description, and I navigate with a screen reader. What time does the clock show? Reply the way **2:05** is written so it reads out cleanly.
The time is **8:23**
